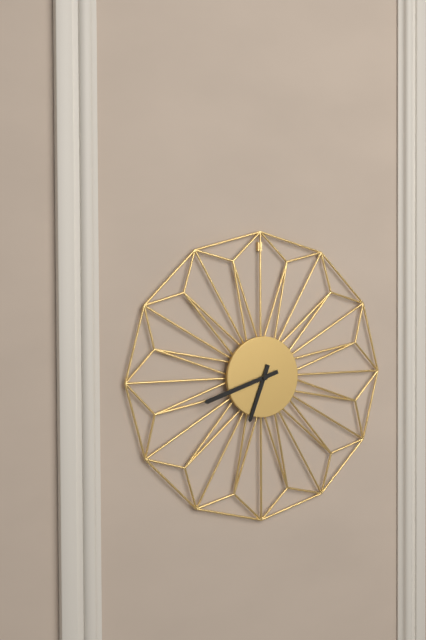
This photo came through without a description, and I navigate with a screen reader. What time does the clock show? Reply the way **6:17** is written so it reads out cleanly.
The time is **6:42**
